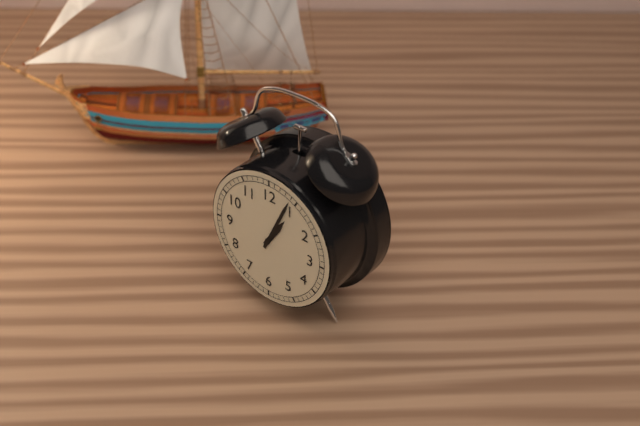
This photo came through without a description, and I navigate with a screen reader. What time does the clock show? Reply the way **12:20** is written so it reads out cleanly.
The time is **1:04**
